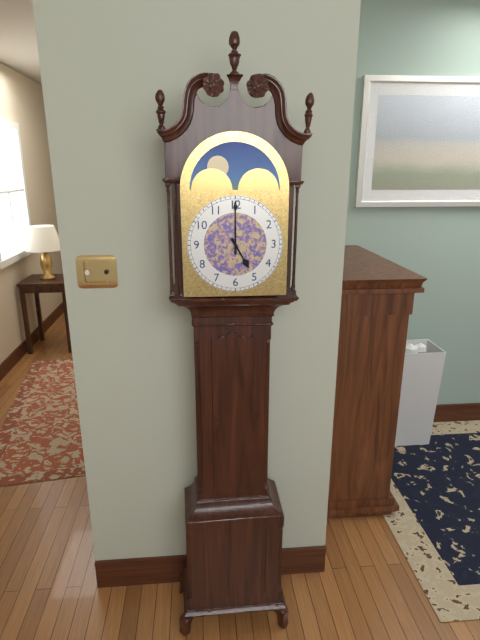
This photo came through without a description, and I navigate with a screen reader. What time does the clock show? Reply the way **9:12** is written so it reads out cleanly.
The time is **5:00**
